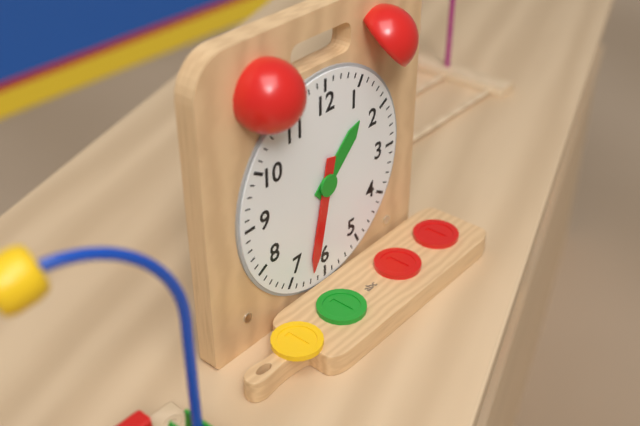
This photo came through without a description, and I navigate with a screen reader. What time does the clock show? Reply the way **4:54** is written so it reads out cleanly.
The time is **1:32**
